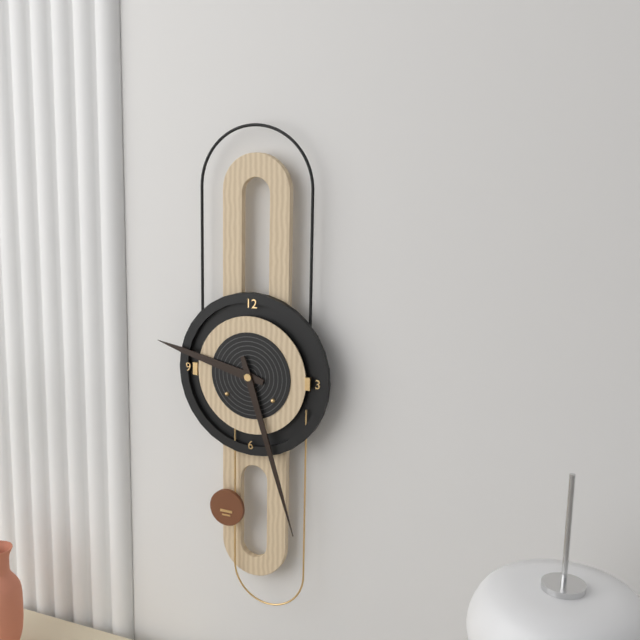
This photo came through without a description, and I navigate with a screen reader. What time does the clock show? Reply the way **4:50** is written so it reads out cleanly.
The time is **9:27**
